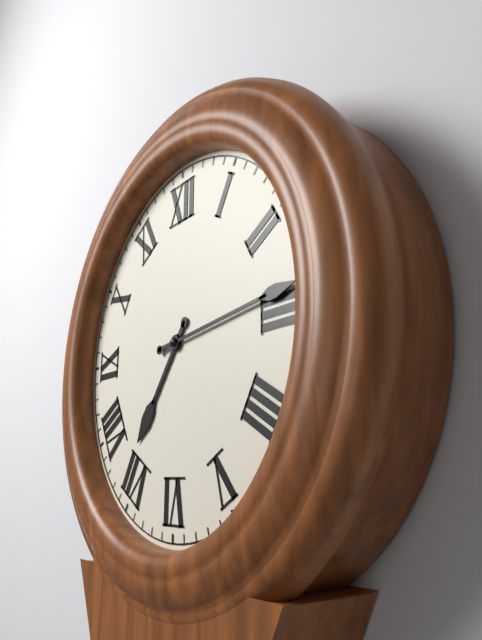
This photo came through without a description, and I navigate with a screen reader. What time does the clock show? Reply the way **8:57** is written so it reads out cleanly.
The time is **7:14**
